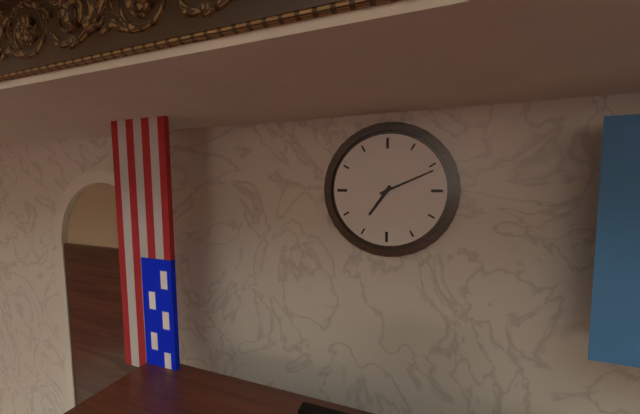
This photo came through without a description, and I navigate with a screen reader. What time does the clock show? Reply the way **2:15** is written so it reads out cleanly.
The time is **7:11**
